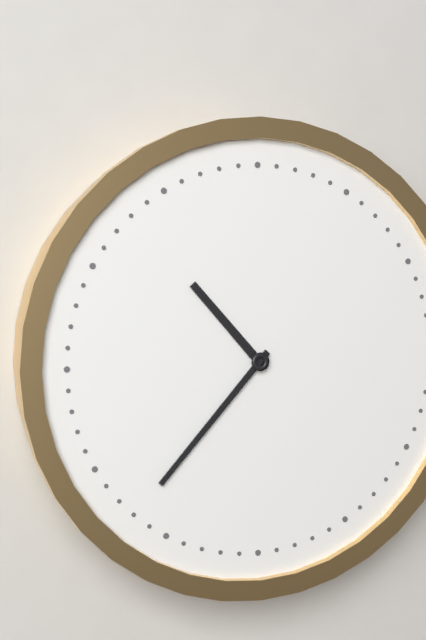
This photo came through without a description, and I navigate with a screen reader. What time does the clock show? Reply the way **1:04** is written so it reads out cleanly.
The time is **10:37**
